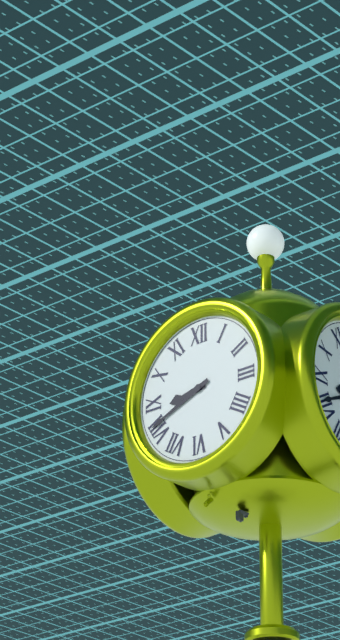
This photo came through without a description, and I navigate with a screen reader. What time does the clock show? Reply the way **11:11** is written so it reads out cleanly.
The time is **8:41**
